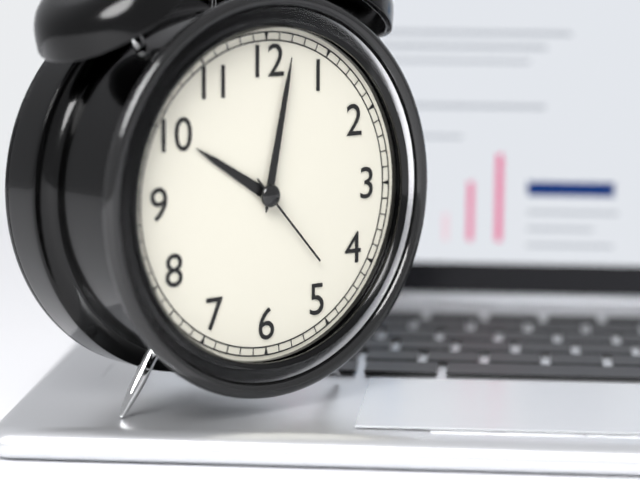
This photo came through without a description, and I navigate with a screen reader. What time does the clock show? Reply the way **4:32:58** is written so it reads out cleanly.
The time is **10:02:23**
